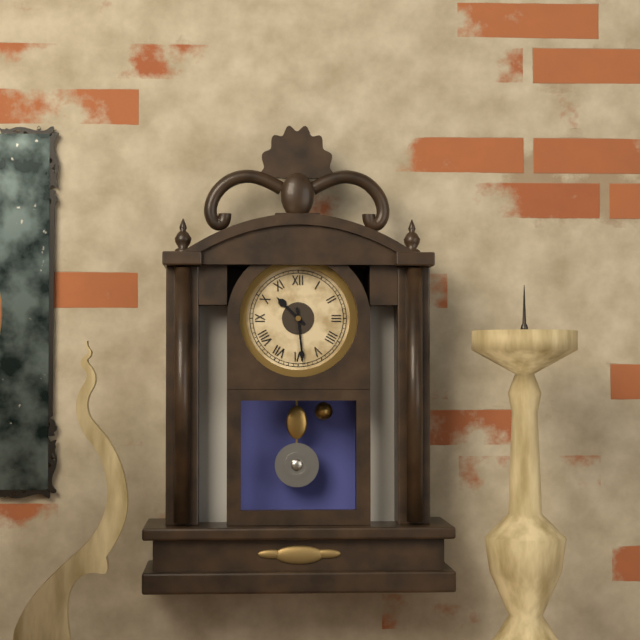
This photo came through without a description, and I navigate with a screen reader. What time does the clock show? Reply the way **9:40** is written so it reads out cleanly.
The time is **10:29**
